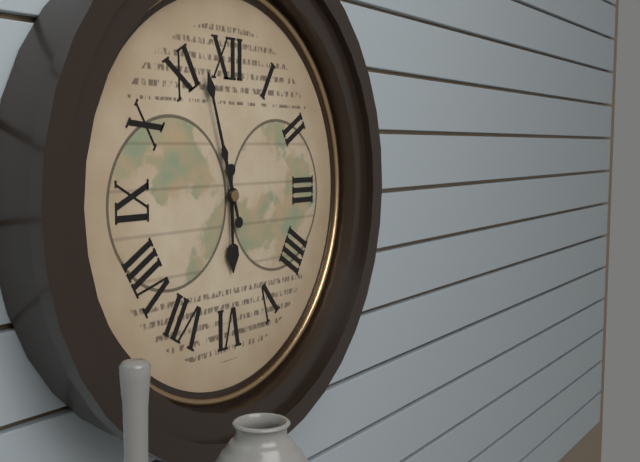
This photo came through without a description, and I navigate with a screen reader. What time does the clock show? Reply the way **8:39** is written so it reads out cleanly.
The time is **5:57**
